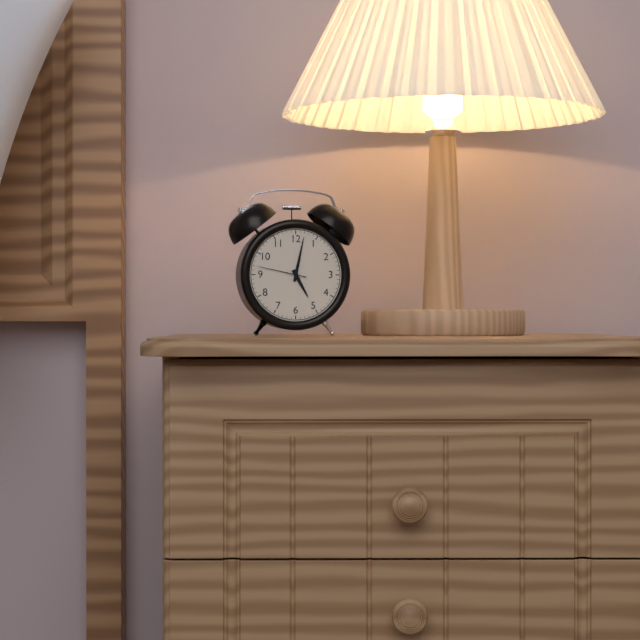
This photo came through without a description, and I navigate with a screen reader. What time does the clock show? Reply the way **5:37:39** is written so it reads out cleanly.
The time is **5:02:47**
